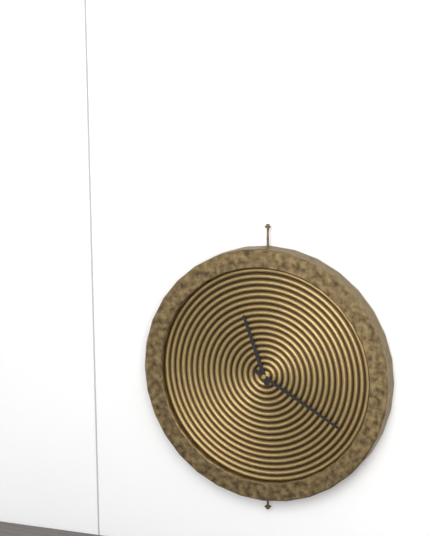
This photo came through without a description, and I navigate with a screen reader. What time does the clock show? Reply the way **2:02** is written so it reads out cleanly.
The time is **11:20**
